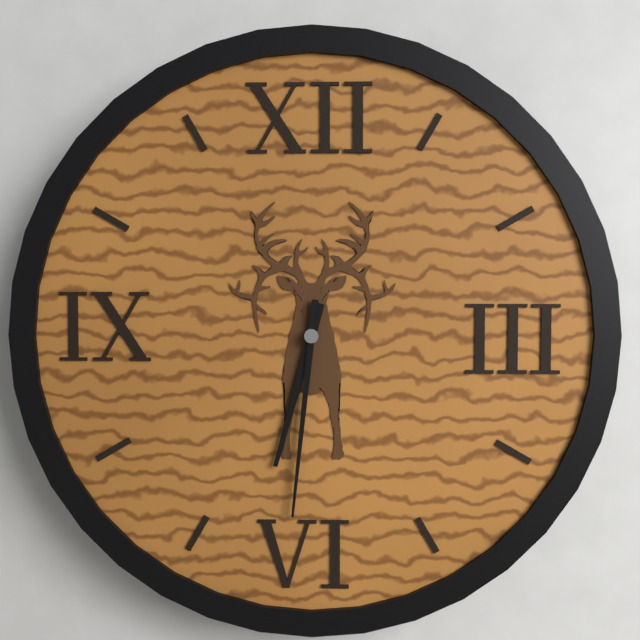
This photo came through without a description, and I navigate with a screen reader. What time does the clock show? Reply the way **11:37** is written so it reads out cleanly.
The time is **6:31**
